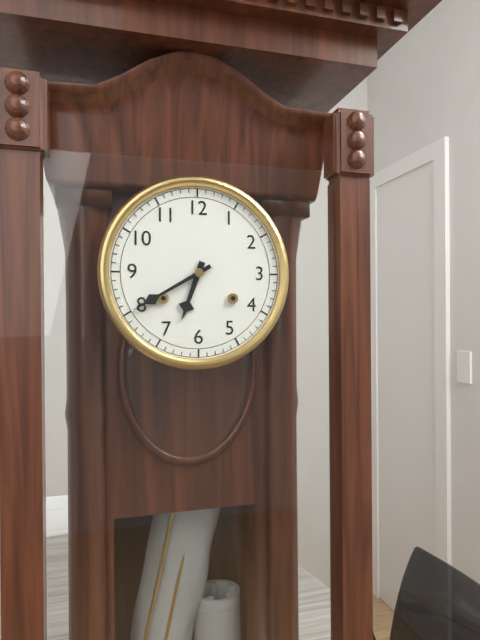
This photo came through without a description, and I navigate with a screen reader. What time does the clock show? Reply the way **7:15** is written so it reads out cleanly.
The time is **6:40**
